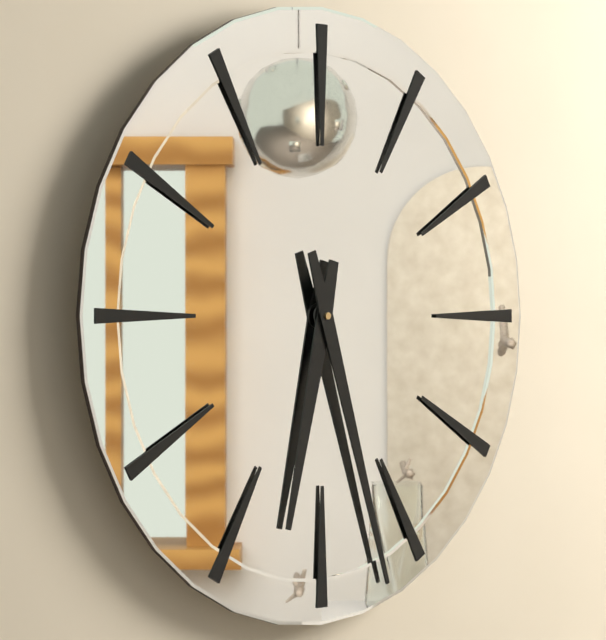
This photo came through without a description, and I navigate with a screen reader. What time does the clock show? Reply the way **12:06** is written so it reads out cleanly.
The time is **6:27**
